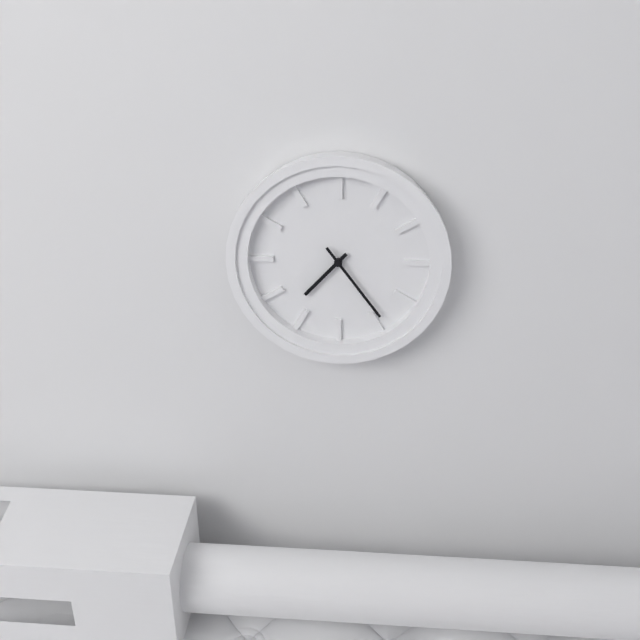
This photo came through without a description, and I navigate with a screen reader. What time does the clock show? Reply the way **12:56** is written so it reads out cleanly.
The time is **7:24**
